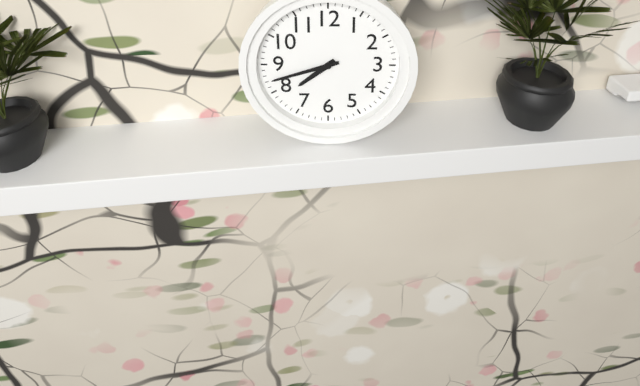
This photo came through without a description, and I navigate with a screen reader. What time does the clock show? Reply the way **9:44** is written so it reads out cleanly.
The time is **7:42**
